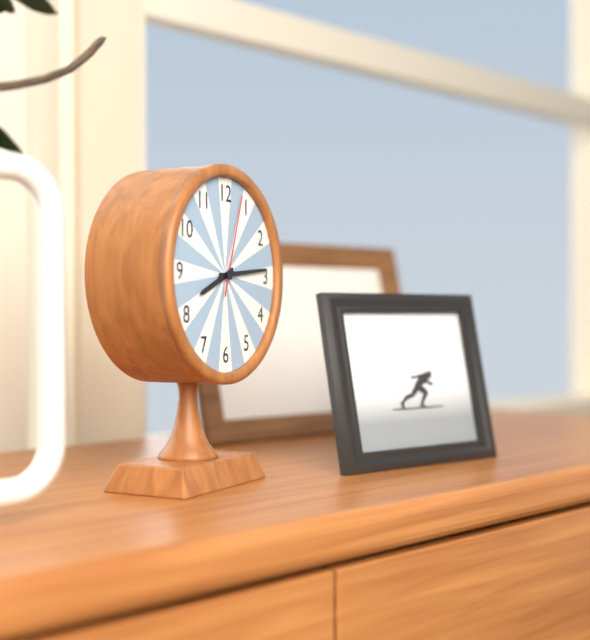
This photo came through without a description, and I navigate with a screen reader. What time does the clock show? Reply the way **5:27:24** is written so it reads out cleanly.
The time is **8:14:03**
